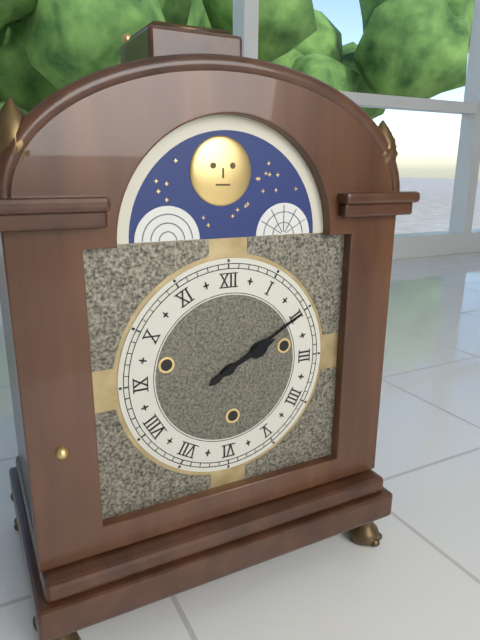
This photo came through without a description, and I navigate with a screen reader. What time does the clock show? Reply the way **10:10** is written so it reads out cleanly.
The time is **2:10**
